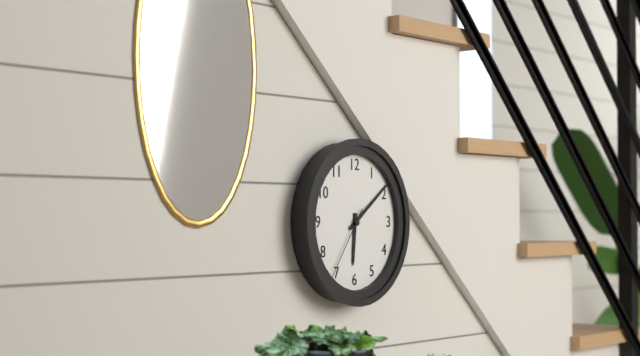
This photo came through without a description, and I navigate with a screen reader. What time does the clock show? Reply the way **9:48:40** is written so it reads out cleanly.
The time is **6:09:36**
